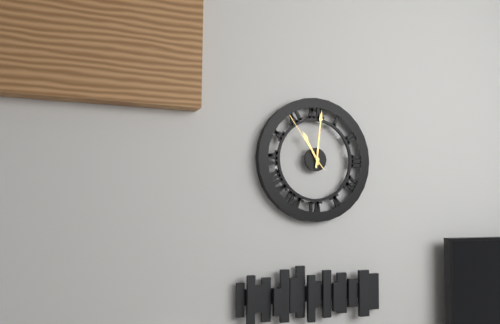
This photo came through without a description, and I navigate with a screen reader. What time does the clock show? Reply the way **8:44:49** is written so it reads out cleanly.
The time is **11:01:54**
